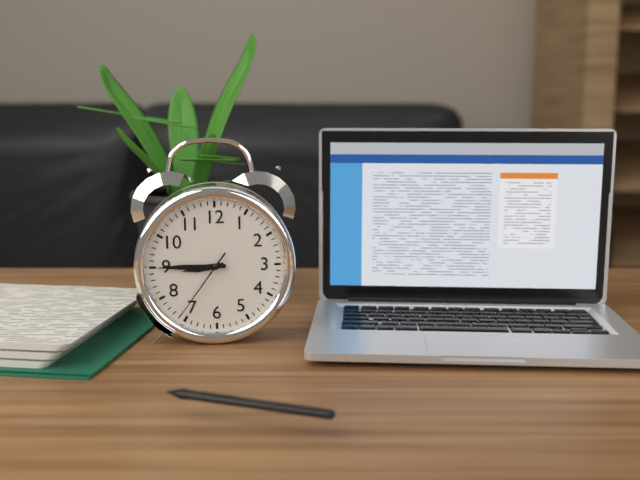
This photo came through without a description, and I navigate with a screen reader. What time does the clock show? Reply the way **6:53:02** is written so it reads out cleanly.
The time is **8:45:36**
